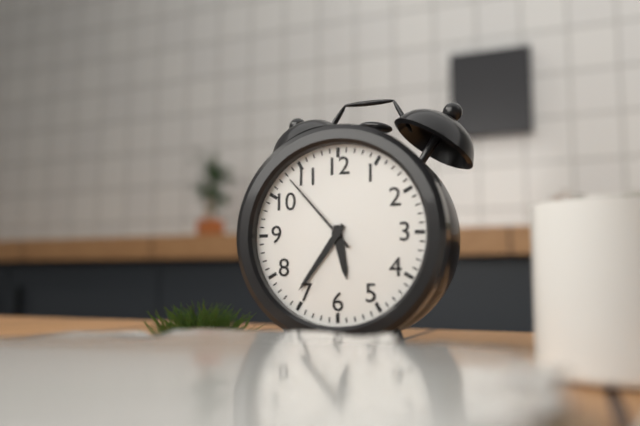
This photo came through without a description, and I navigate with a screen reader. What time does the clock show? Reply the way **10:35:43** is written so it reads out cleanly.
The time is **5:36:53**
